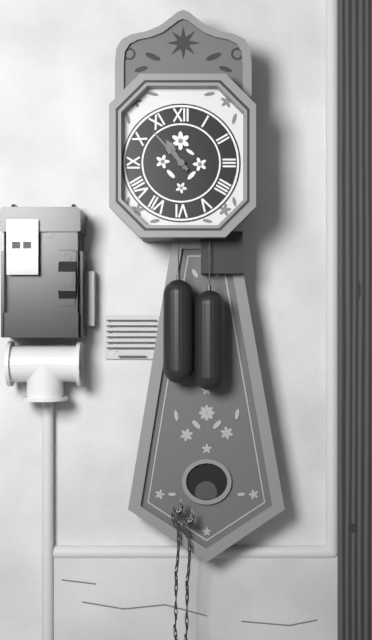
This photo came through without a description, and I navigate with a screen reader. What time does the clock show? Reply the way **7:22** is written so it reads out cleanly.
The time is **10:53**
